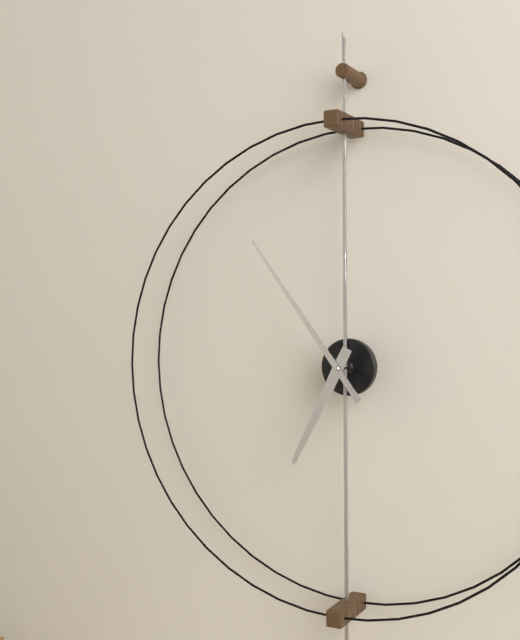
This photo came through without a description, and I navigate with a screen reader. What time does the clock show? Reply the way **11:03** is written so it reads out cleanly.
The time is **6:54**
